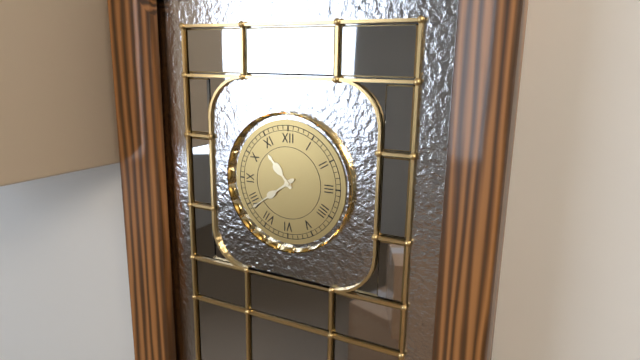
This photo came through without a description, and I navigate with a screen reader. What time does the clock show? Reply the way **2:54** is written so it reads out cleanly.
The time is **10:39**
